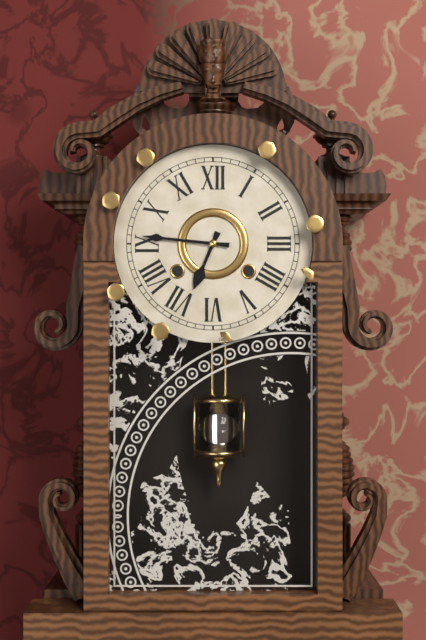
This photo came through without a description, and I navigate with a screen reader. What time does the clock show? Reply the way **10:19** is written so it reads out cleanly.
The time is **6:46**
